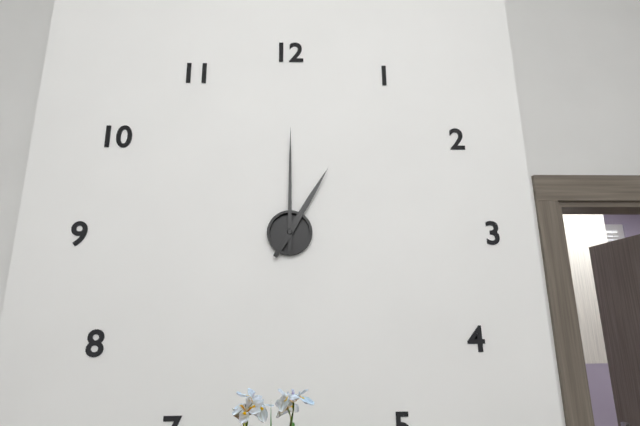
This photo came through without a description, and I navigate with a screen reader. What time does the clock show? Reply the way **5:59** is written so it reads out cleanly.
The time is **1:00**
